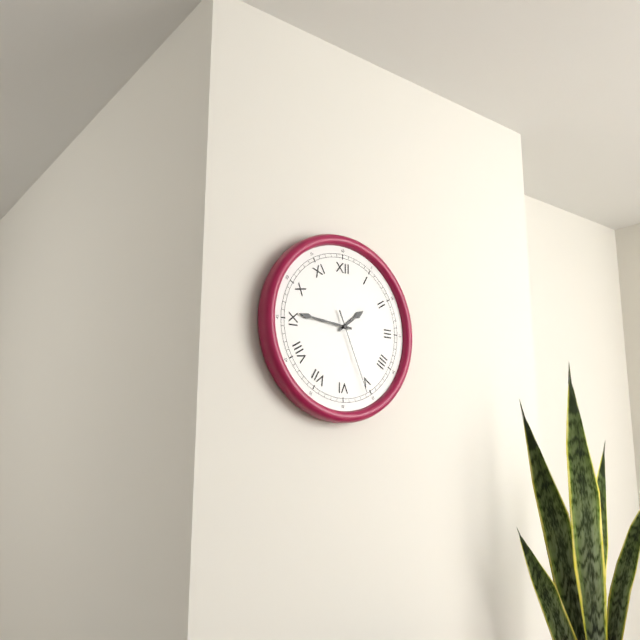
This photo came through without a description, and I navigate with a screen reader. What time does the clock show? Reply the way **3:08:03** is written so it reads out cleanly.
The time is **1:46:26**
